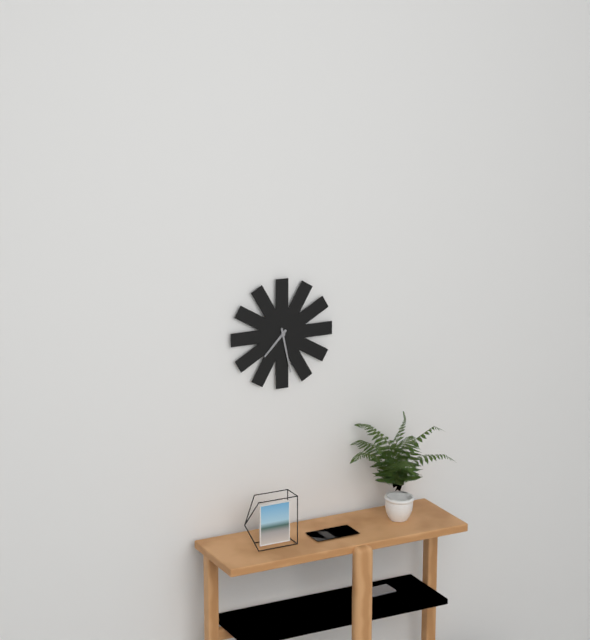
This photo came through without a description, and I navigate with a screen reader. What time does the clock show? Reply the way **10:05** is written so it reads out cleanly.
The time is **7:28**
